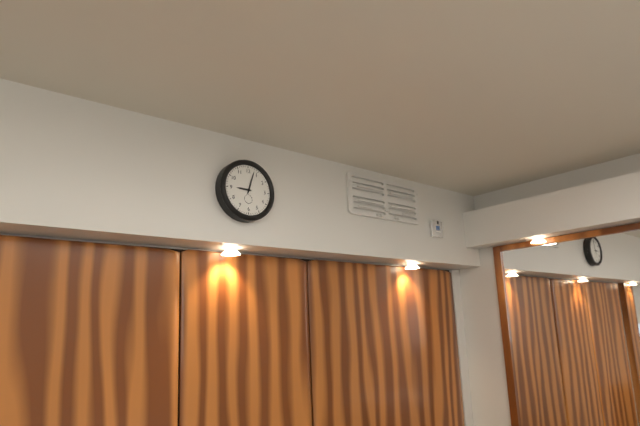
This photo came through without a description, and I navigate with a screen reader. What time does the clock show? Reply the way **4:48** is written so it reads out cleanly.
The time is **9:03**
